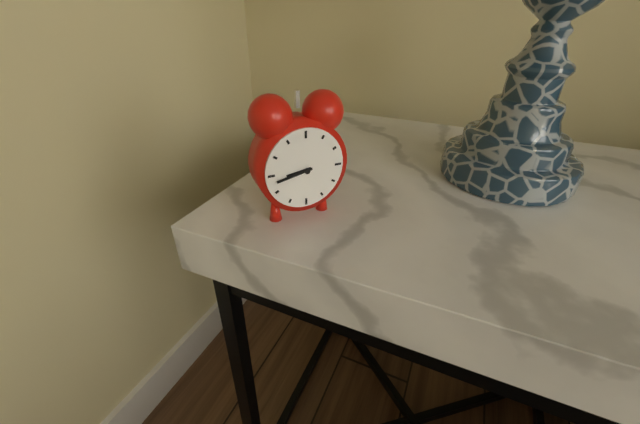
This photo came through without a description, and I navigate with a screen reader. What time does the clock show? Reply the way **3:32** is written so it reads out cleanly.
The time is **8:43**
